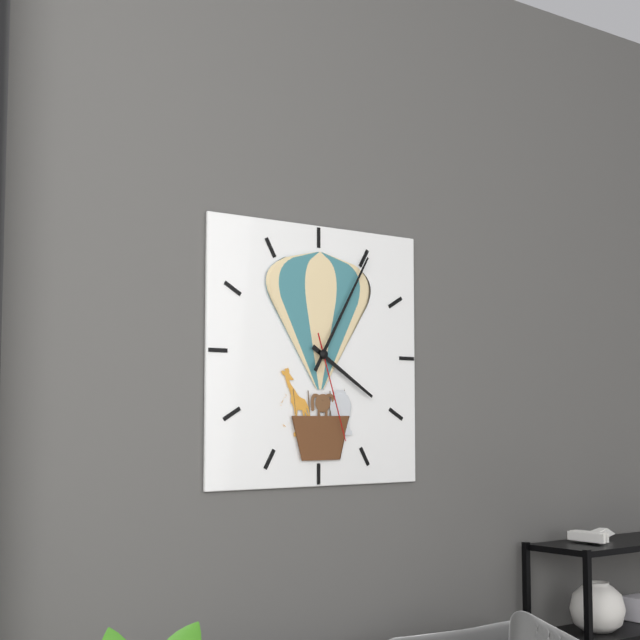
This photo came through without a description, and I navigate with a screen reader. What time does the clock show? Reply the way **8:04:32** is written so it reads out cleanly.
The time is **4:05:27**
